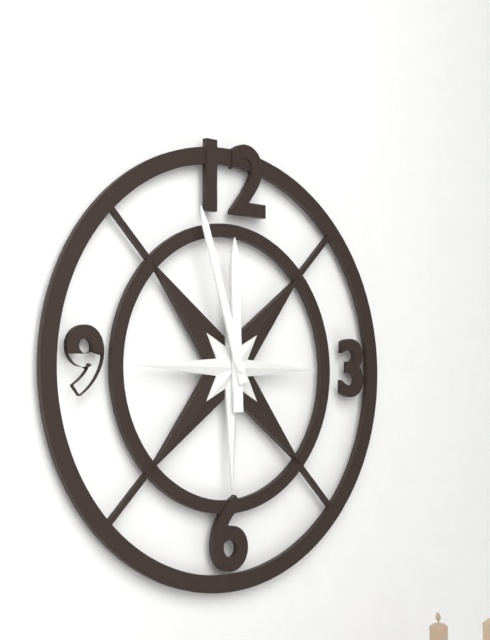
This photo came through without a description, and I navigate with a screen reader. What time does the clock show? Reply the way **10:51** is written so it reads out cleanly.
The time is **11:57**
